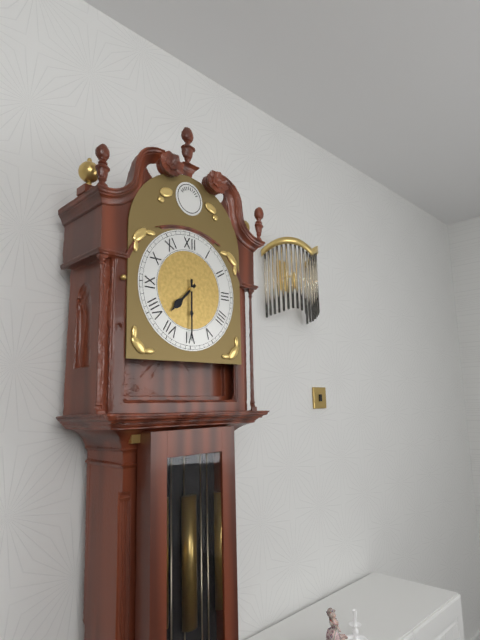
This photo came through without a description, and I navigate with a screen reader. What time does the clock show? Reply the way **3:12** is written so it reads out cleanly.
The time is **7:30**
